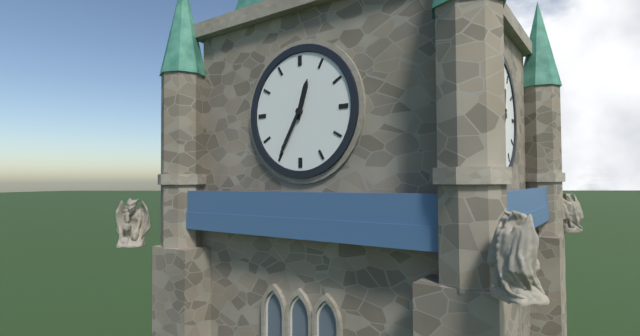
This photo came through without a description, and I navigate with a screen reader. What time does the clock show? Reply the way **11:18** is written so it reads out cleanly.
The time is **12:35**
